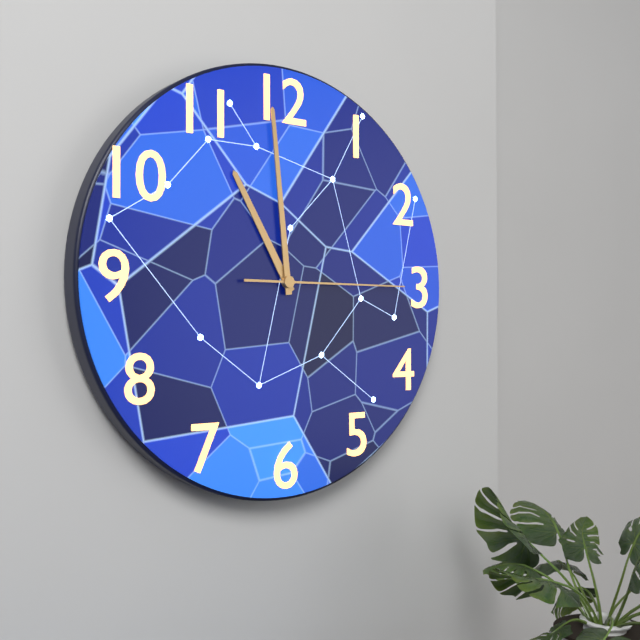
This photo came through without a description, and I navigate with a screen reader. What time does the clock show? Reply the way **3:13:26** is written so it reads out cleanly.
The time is **10:59:15**
